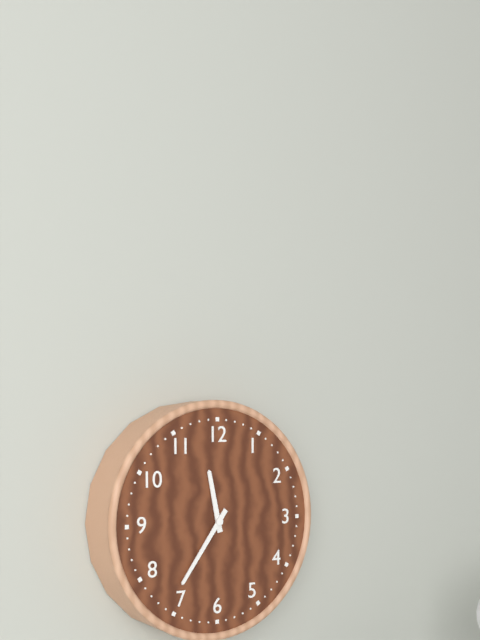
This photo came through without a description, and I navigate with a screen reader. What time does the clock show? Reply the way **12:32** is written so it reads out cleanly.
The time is **11:36**
